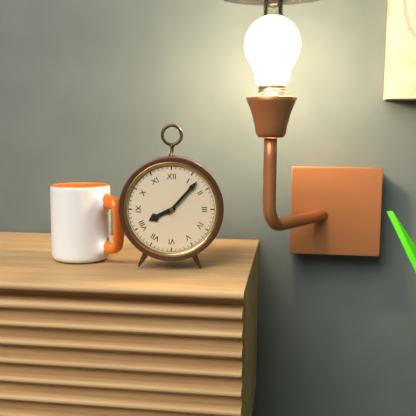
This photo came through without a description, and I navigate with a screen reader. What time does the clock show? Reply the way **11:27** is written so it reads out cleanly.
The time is **8:07**
